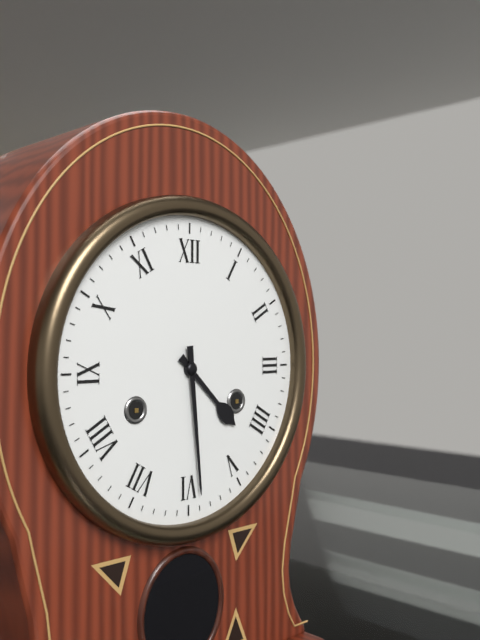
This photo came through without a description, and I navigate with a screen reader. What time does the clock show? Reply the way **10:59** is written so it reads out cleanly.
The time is **4:29**
